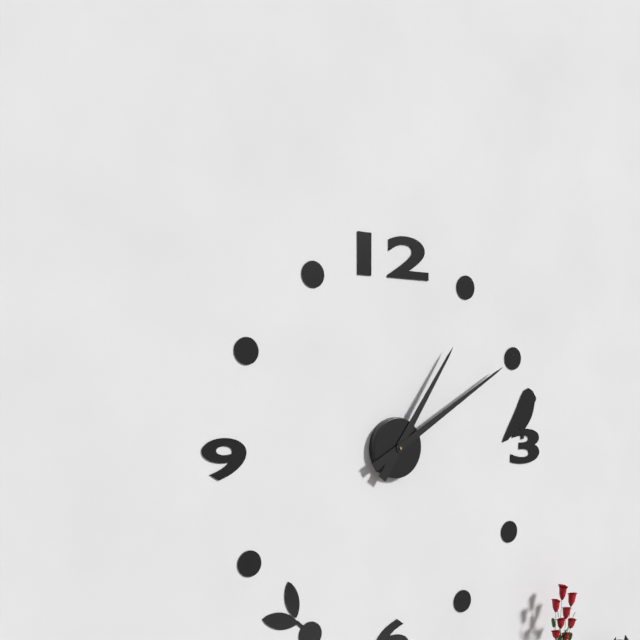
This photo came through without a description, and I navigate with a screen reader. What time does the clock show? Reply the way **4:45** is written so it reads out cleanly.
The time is **1:10**
